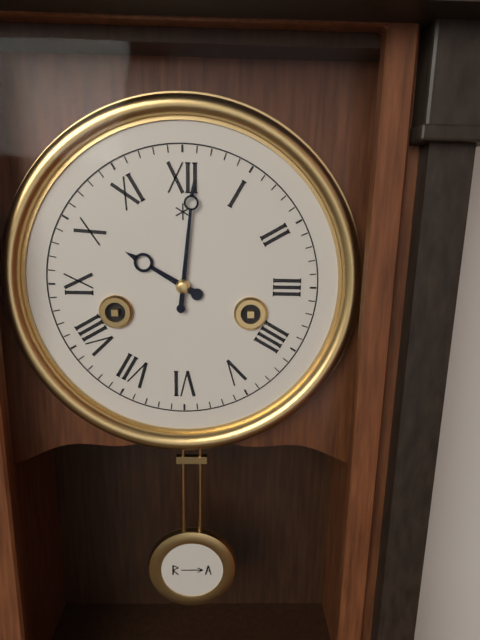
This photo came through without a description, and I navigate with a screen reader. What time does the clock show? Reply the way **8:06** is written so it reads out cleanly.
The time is **10:01**
